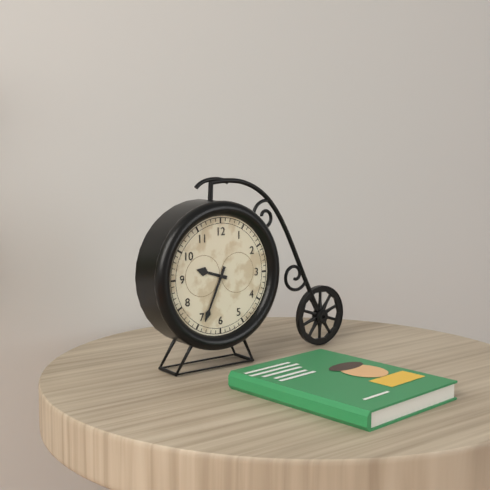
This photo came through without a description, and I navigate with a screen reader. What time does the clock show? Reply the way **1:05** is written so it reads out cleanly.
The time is **9:34**
